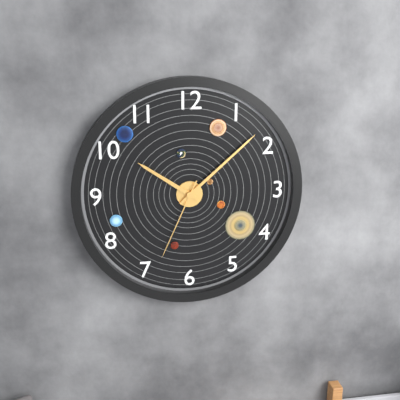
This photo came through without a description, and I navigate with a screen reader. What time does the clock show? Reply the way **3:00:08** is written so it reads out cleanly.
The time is **10:08:34**
